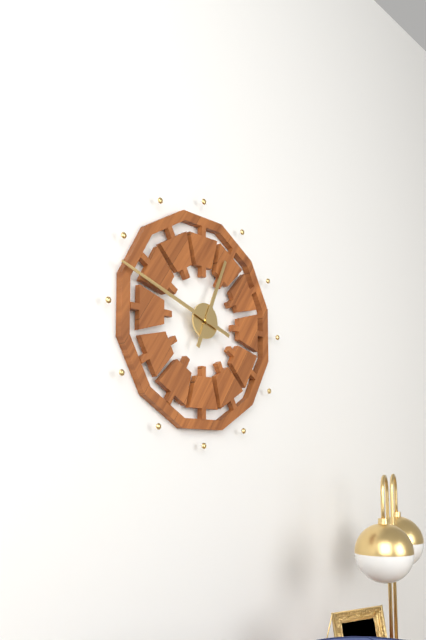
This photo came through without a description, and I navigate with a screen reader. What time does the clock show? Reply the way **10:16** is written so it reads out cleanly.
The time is **12:48**
